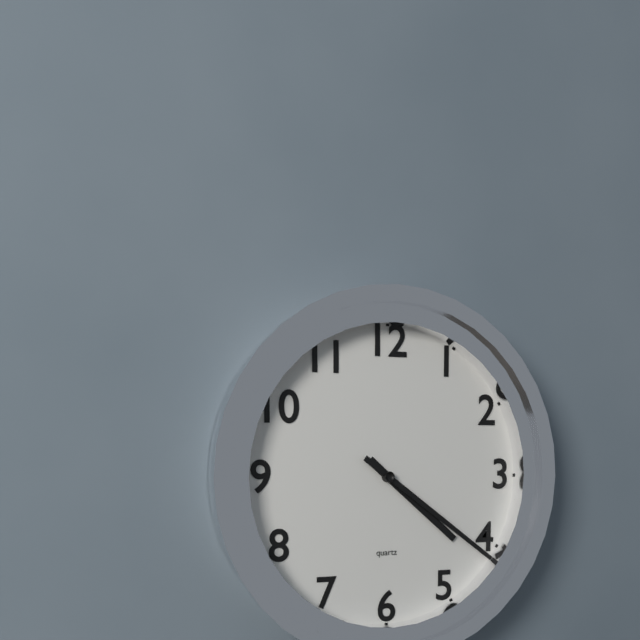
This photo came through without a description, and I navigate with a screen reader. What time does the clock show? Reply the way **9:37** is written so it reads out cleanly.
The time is **4:21**
